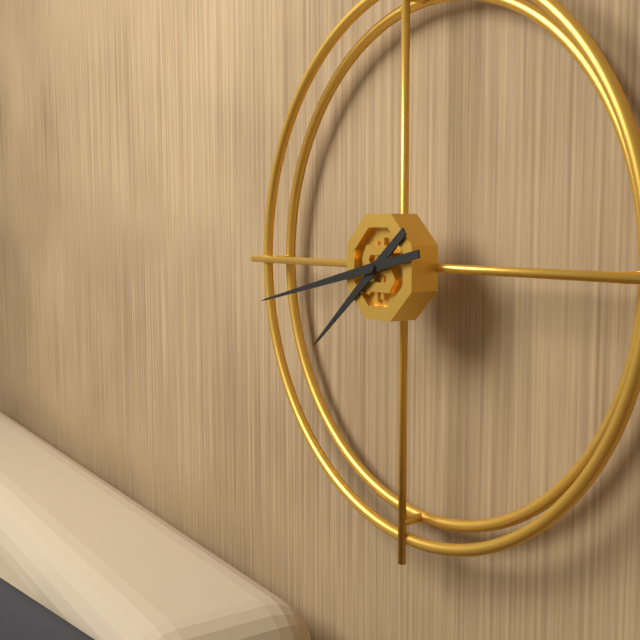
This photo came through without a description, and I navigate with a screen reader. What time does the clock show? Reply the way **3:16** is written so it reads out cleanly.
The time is **7:43**
